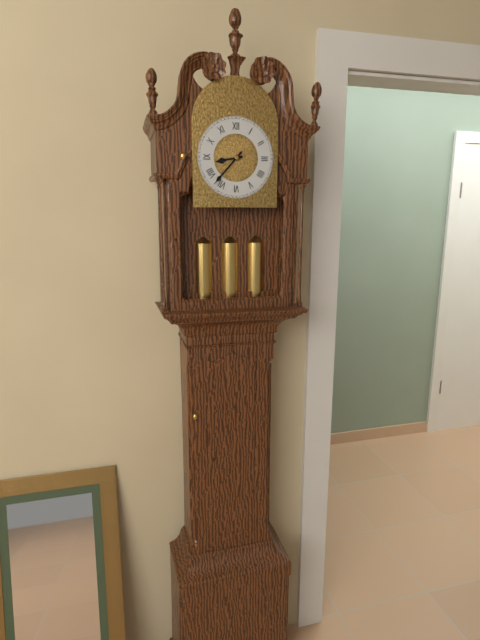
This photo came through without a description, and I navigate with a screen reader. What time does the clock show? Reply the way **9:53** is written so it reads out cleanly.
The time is **8:37**
